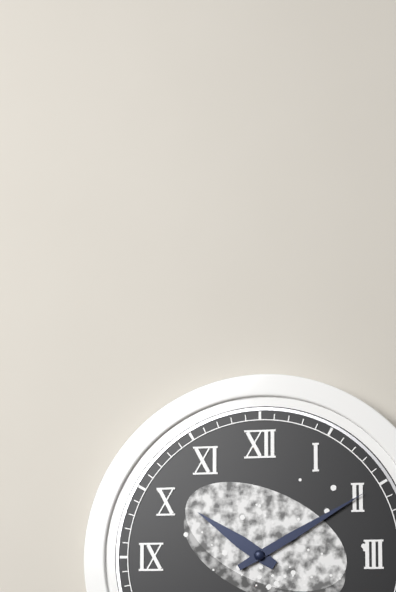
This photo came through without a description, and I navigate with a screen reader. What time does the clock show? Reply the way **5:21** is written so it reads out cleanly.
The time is **10:10**
